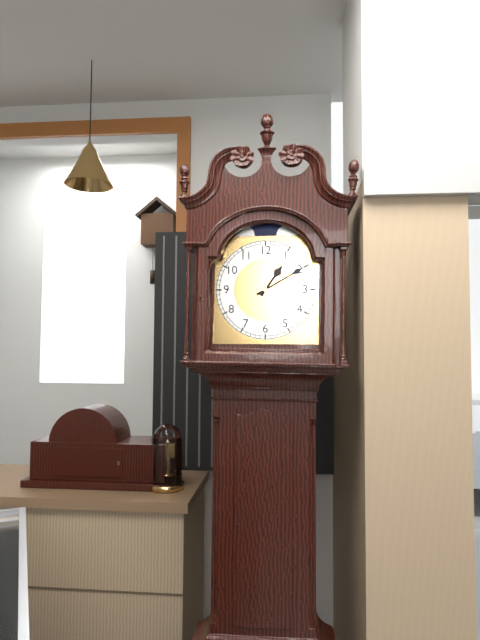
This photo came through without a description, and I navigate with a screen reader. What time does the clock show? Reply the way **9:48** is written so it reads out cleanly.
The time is **1:10**
